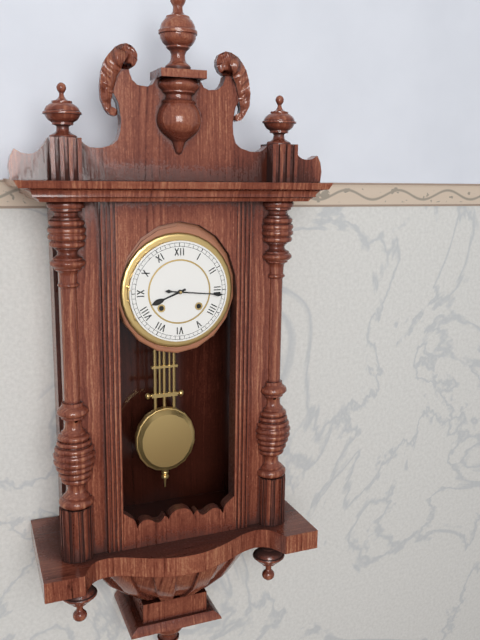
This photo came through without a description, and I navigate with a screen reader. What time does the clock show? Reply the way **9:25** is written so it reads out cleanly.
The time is **8:16**
